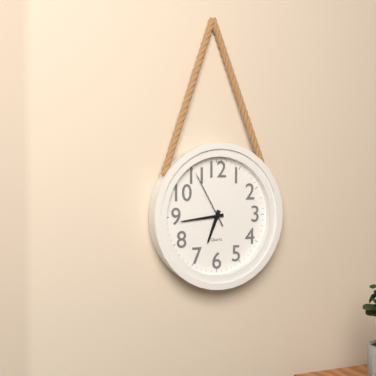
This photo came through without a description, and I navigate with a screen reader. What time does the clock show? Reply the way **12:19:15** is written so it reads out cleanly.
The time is **6:44:55**
